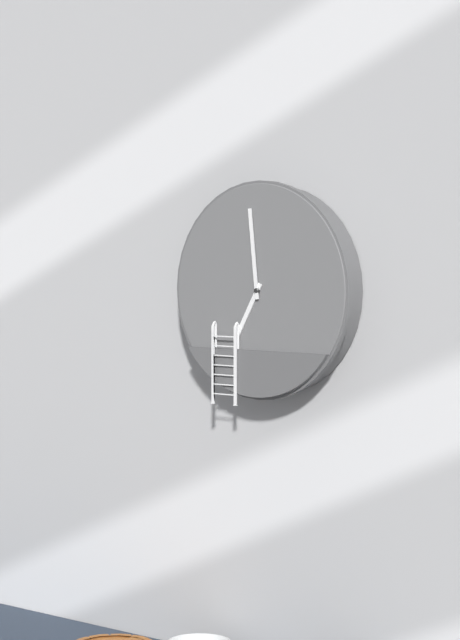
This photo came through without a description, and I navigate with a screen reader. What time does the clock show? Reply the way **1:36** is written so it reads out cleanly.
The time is **6:59**
